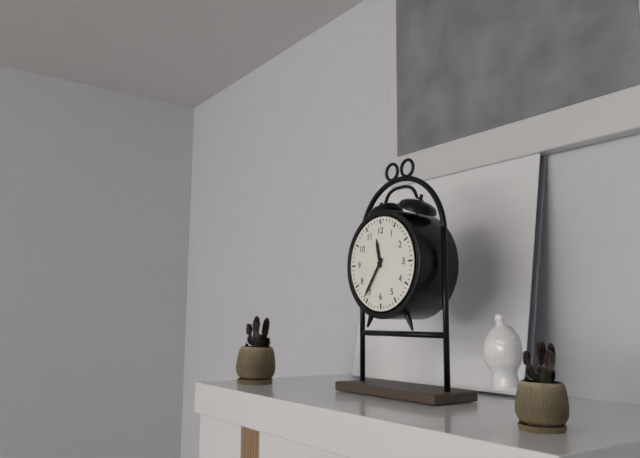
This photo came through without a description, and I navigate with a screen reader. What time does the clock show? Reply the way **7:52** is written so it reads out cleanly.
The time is **11:36**
